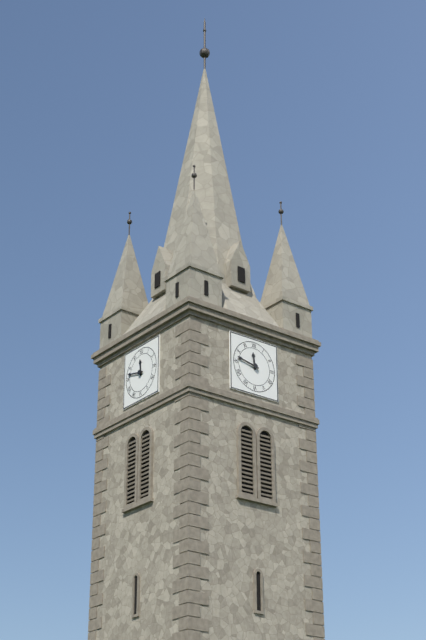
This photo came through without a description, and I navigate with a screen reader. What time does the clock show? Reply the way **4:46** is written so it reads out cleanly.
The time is **11:47**
